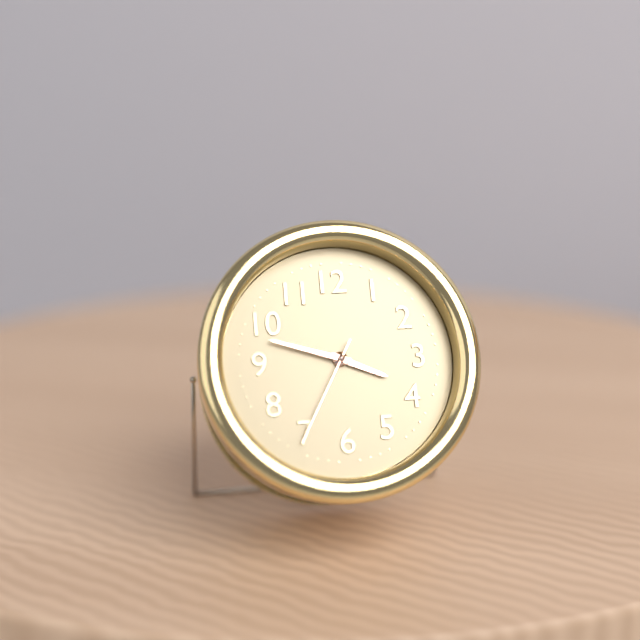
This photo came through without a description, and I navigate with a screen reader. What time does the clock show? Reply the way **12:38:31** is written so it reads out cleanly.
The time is **3:48:35**
